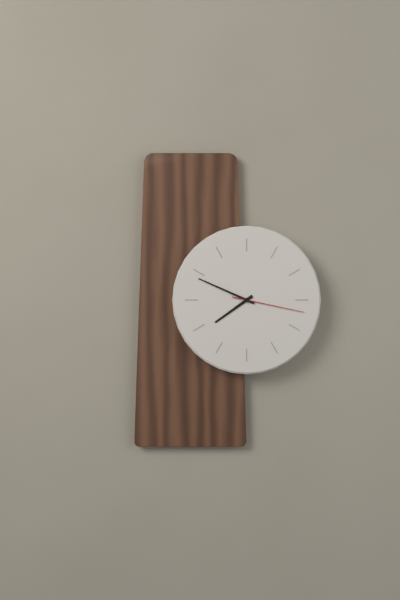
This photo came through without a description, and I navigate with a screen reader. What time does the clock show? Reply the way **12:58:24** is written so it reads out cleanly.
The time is **7:49:17**
